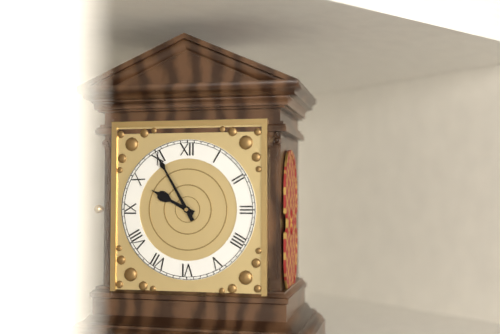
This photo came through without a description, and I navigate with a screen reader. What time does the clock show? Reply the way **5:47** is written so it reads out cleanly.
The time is **9:55**
